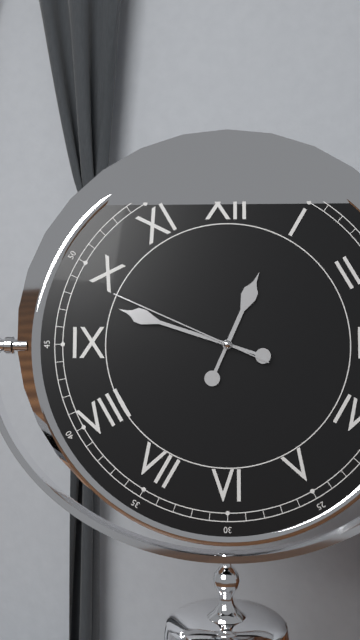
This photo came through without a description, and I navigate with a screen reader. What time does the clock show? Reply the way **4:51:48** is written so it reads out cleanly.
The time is **12:48:49**
